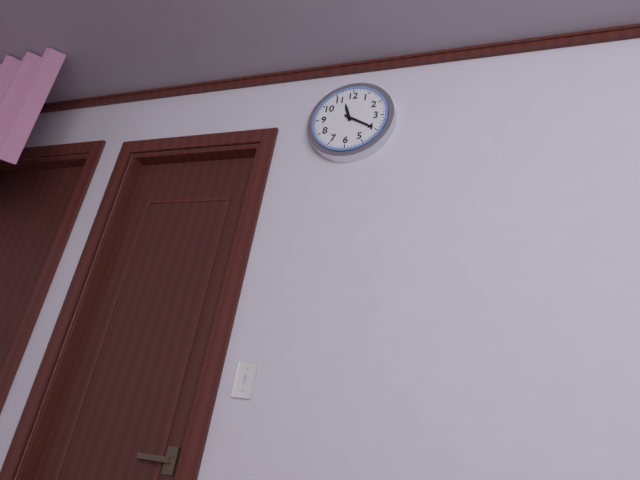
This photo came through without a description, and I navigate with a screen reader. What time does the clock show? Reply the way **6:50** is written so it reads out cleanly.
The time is **11:20**
